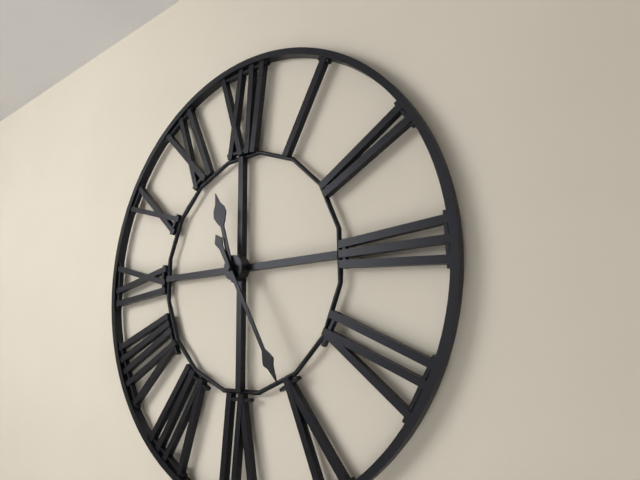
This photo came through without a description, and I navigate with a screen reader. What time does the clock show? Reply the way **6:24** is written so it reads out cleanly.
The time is **11:25**
